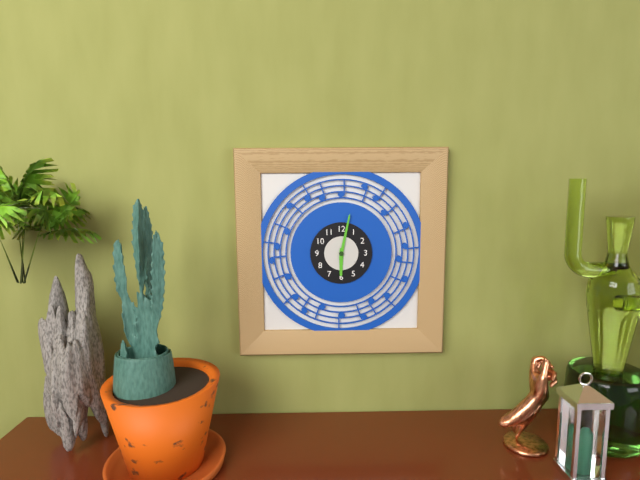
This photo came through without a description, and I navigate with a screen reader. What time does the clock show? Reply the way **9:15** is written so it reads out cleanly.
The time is **6:02**
